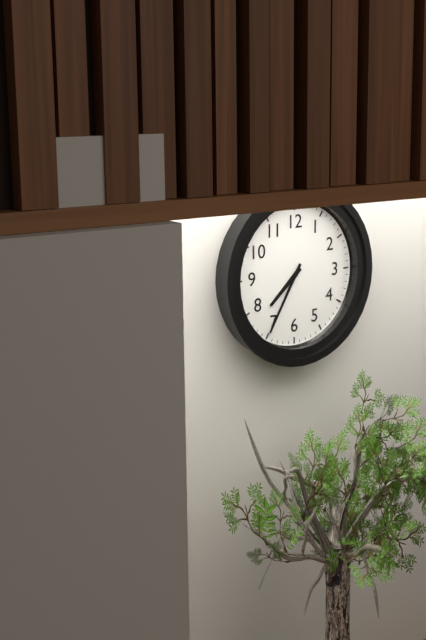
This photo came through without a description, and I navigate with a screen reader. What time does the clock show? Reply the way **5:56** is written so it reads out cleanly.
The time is **7:35**
